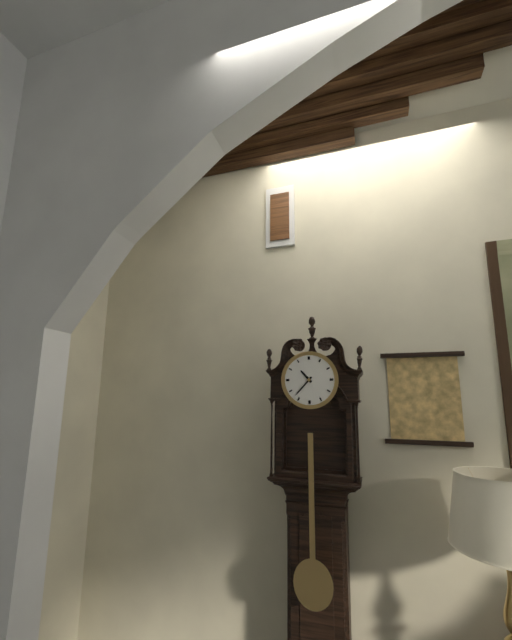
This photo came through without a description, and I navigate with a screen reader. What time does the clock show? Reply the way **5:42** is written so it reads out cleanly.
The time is **10:37**
